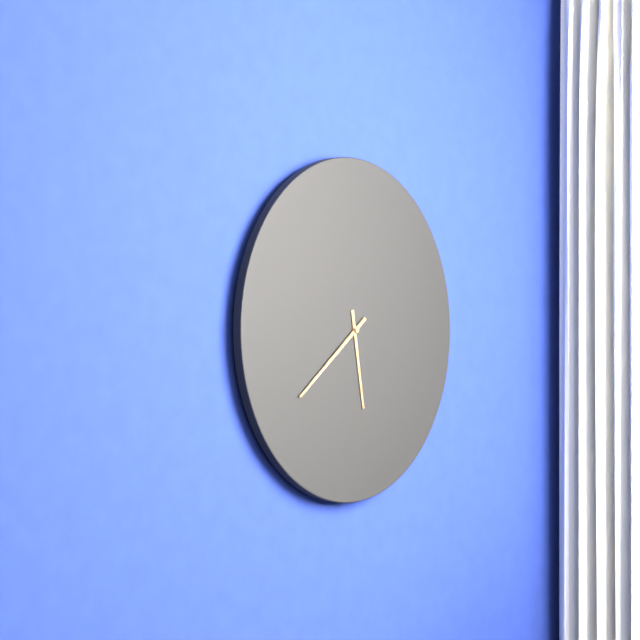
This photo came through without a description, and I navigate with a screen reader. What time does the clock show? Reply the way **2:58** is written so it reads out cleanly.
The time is **5:39**
